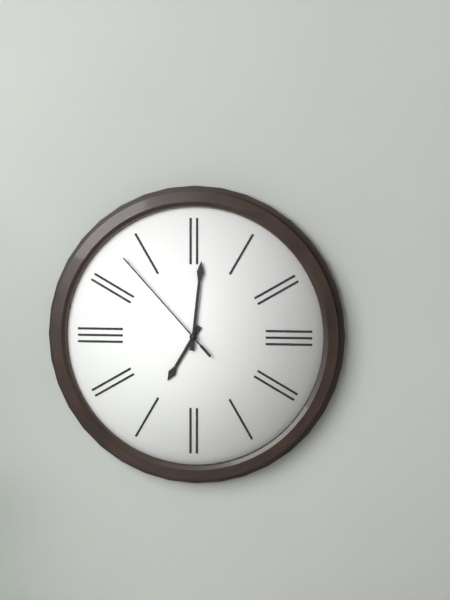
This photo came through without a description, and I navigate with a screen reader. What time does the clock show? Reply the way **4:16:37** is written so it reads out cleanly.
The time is **7:01:53**
